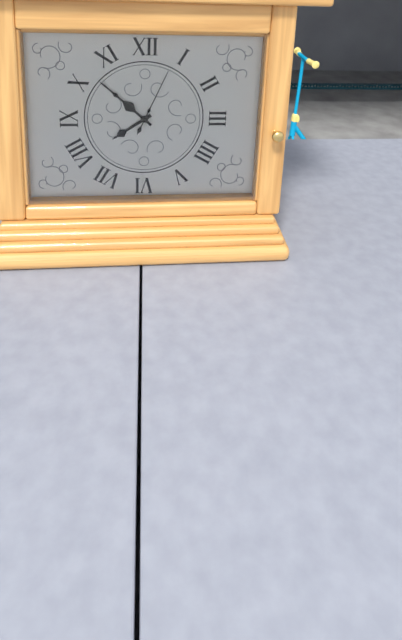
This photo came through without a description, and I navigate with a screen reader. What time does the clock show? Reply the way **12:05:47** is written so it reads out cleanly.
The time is **7:52:04**
